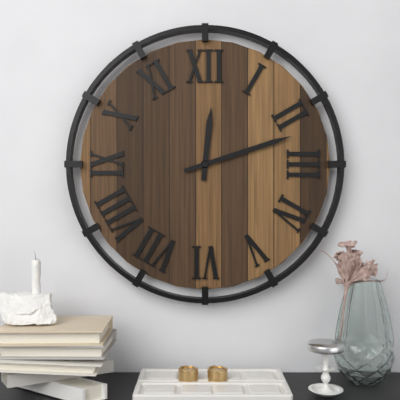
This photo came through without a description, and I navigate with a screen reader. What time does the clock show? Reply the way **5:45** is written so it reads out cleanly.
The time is **12:12**
